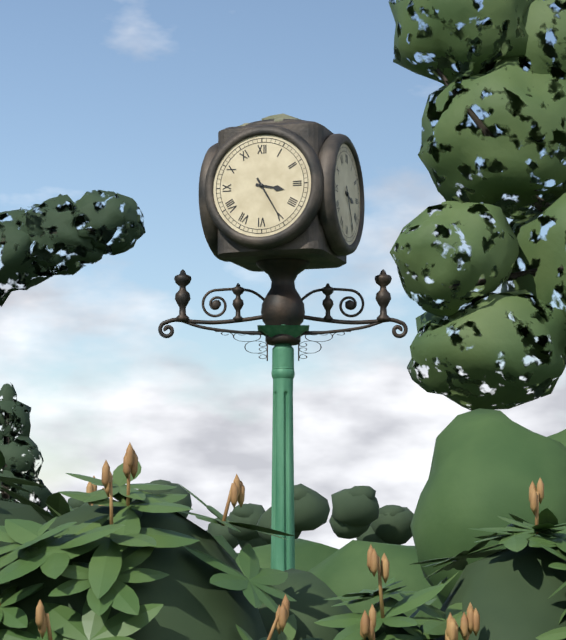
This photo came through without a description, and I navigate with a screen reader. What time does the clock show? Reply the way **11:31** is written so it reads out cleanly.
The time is **3:25**
